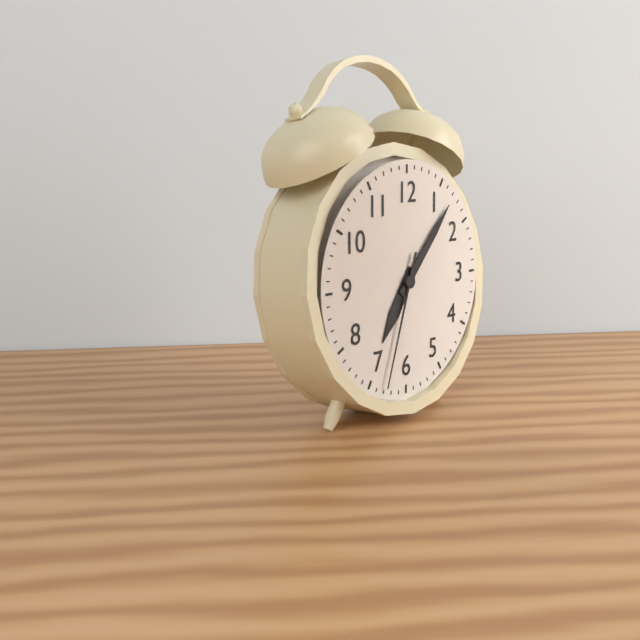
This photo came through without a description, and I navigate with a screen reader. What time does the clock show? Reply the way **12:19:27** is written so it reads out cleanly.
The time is **7:07:33**
